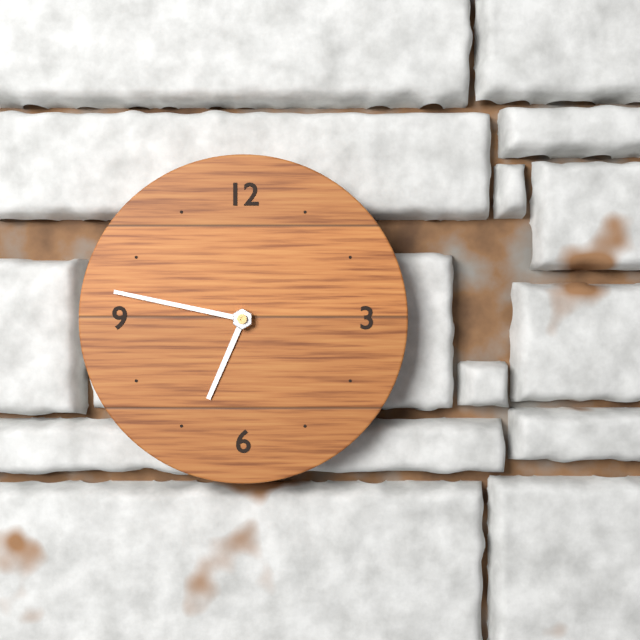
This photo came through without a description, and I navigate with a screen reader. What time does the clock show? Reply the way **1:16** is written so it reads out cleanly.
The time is **6:47**
